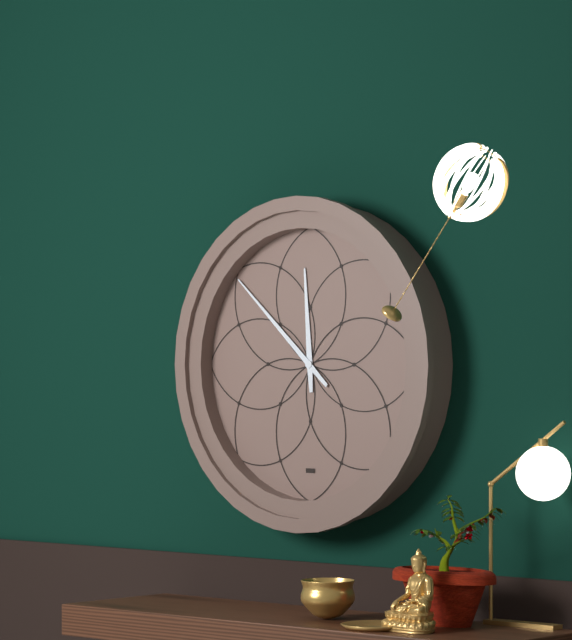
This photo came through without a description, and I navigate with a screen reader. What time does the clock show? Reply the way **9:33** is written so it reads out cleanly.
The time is **11:52**
